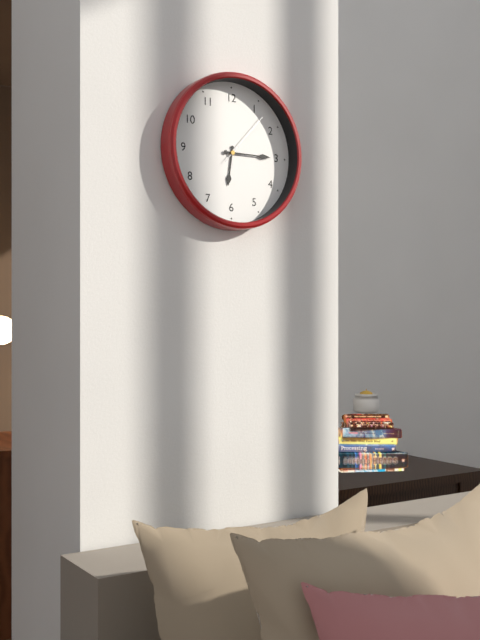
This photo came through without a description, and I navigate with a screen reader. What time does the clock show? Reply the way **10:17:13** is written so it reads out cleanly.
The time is **6:15:07**
